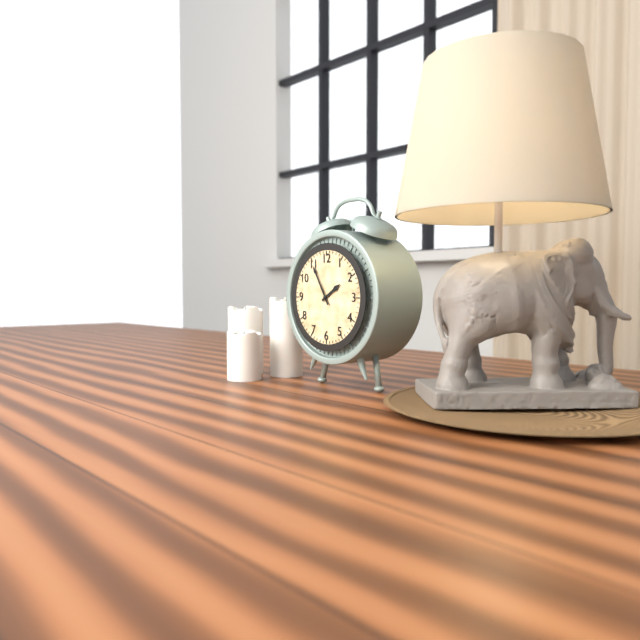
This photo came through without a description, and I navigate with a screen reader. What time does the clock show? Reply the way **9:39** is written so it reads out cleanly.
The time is **1:55**
